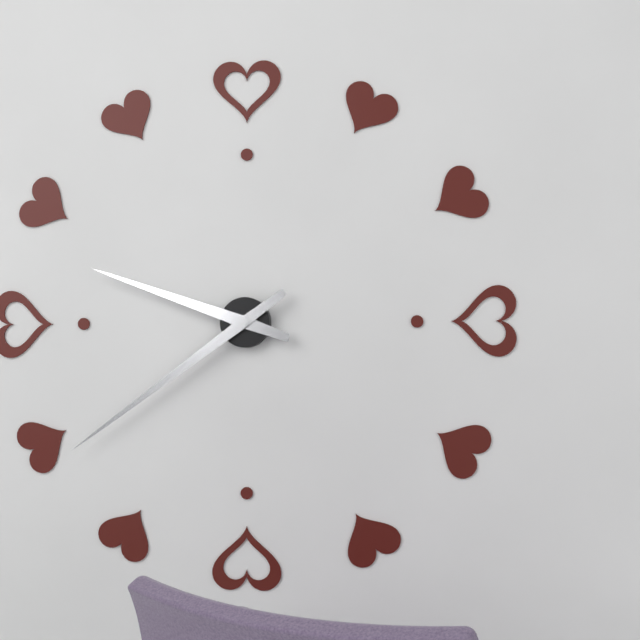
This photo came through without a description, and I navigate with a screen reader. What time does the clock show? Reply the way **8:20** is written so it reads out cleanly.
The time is **9:39**
